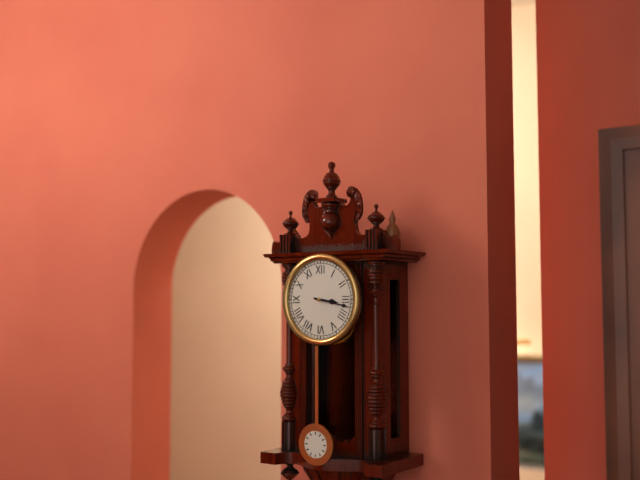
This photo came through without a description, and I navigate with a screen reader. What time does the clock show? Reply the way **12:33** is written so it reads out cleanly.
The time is **3:17**
